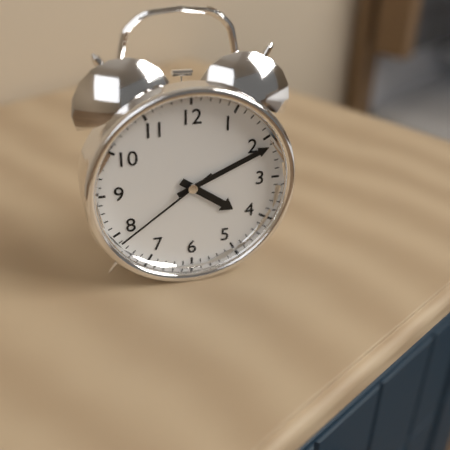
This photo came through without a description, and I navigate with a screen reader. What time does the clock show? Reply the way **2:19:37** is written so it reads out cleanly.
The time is **4:11:39**
